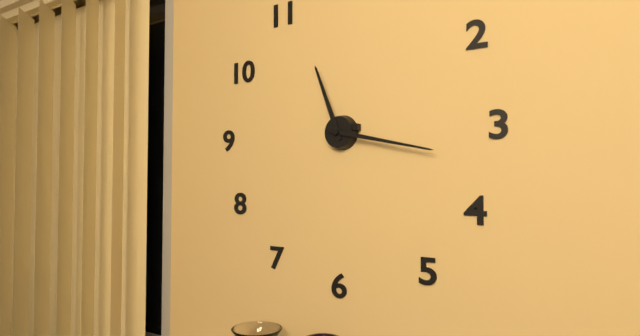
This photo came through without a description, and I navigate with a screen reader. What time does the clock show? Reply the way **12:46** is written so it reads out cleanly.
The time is **11:17**
